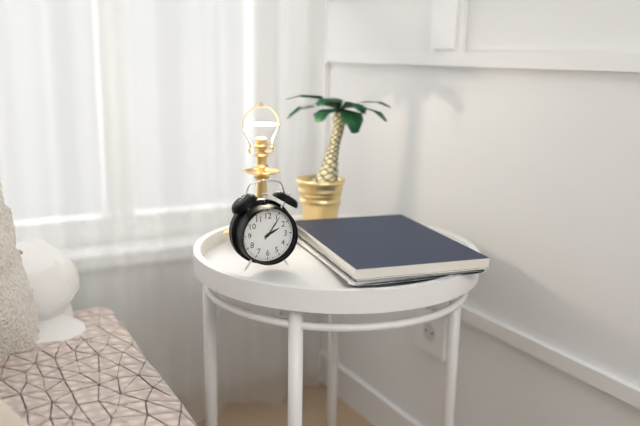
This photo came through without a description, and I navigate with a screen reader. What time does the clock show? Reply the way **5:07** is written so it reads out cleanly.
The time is **2:06**
